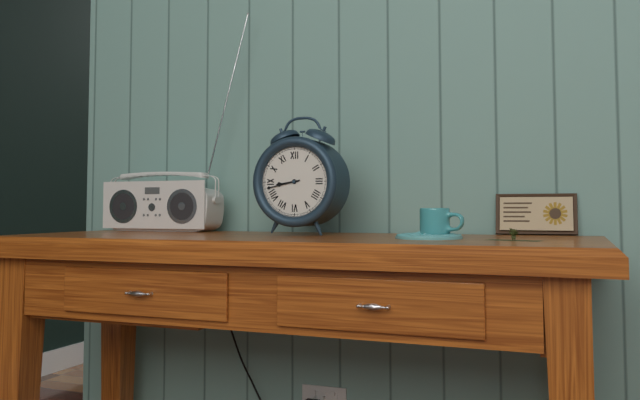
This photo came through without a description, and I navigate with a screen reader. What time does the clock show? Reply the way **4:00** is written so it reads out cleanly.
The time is **8:43**
